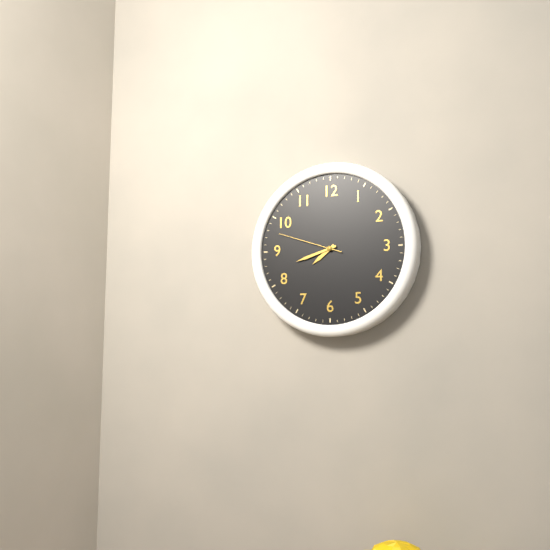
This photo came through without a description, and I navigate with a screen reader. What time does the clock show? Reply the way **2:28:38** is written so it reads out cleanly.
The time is **7:42:48**
